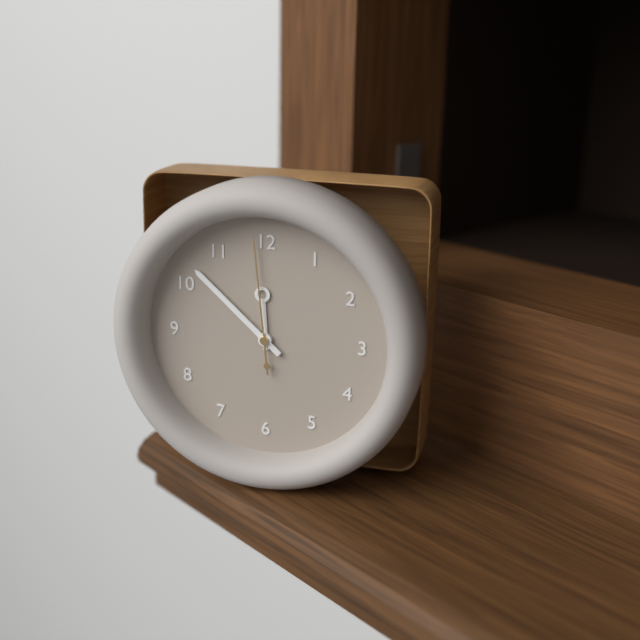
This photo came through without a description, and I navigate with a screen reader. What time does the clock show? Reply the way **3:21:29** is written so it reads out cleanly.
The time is **11:52:59**
